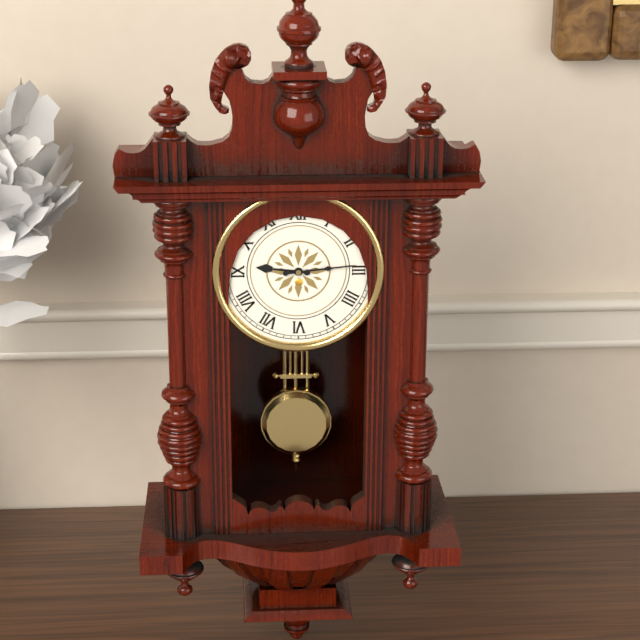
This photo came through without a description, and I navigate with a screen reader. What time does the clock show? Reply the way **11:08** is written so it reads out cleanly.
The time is **9:14**
